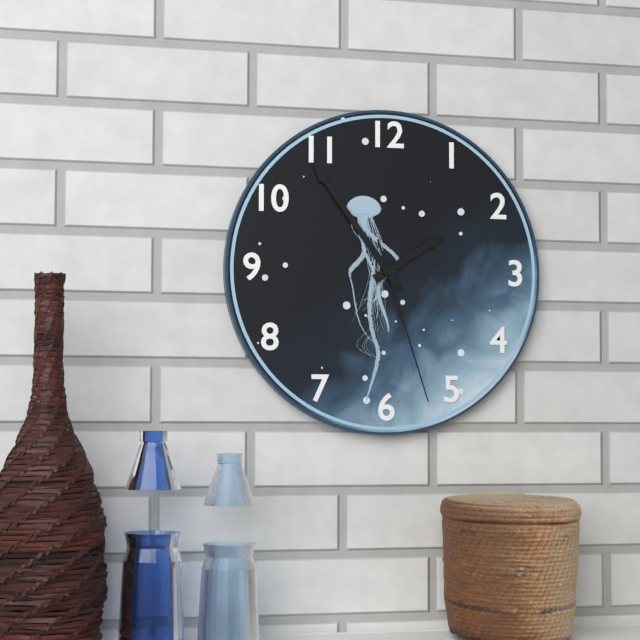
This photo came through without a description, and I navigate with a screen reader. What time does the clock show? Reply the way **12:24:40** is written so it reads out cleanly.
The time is **1:54:27**
